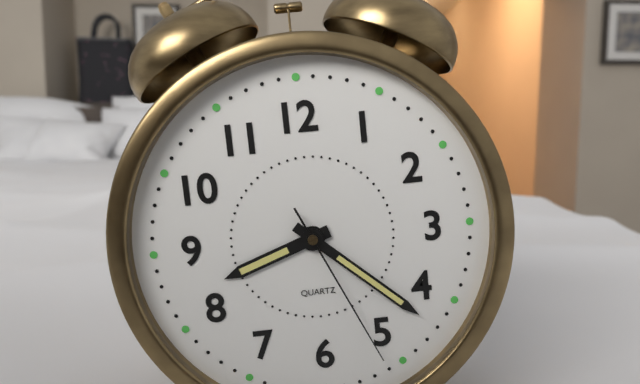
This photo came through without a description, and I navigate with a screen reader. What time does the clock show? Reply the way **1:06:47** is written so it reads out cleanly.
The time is **8:22:26**
